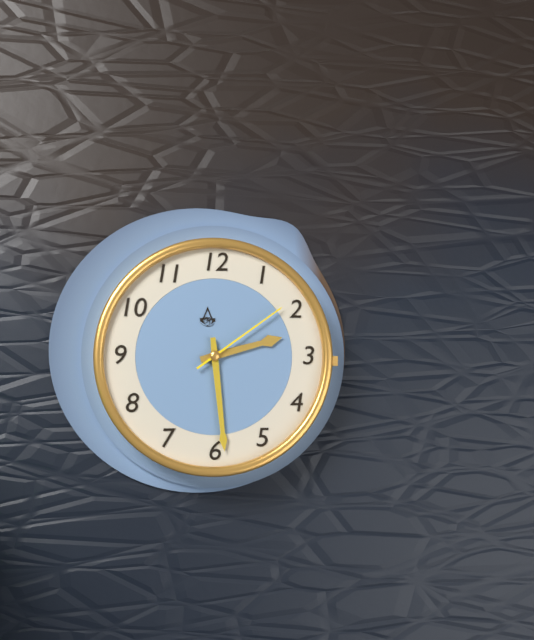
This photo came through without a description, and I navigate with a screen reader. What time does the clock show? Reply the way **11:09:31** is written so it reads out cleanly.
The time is **2:29:09**
